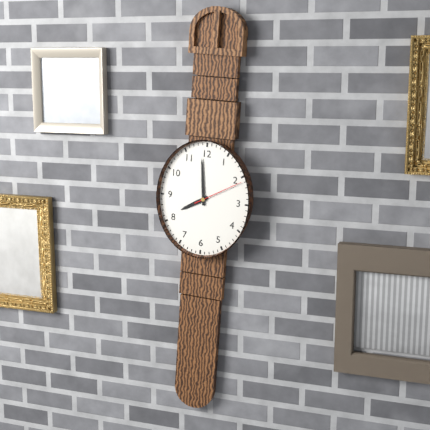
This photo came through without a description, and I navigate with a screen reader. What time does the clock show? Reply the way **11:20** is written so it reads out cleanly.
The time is **7:59**
